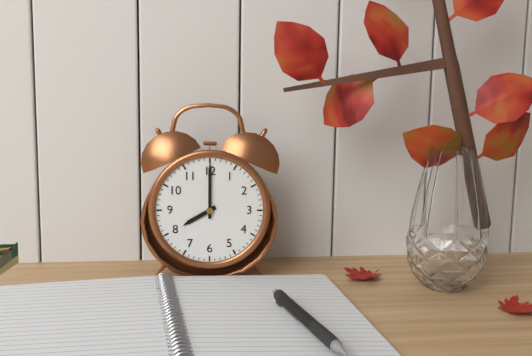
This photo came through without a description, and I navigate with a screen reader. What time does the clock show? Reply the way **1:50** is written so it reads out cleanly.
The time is **8:00**
